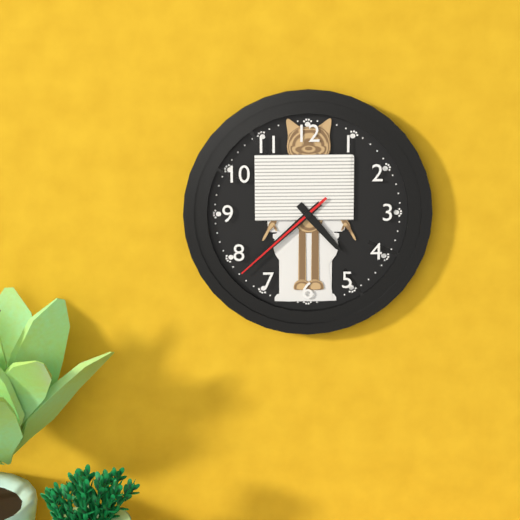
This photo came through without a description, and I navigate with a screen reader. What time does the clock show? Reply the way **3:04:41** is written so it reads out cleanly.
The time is **4:38:38**
